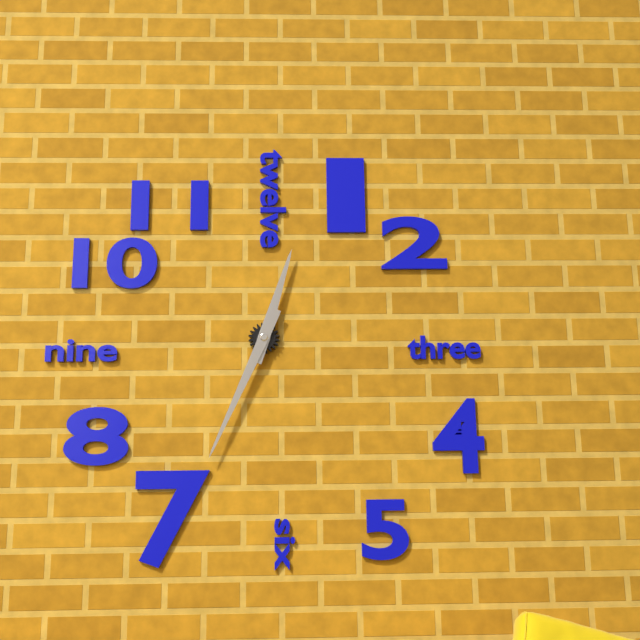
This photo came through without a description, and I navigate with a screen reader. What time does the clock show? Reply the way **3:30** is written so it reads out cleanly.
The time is **12:34**
